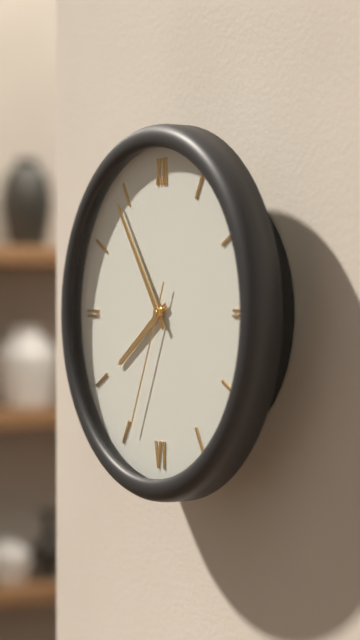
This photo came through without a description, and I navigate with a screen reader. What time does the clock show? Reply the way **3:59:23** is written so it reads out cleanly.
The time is **7:54:34**
